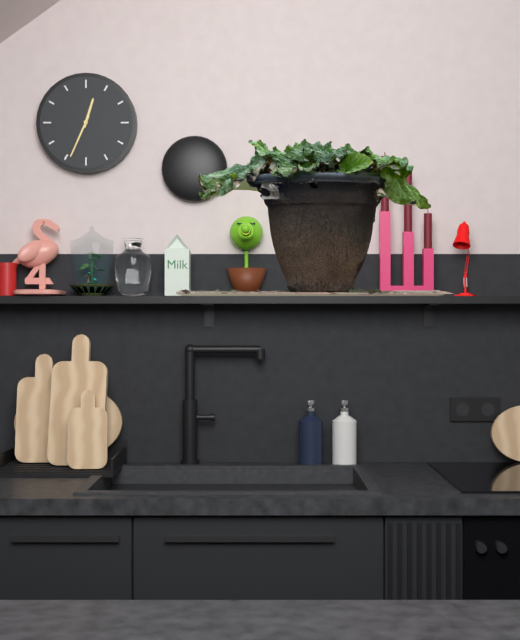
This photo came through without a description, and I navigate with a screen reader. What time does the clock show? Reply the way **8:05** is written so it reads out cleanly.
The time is **12:34**
